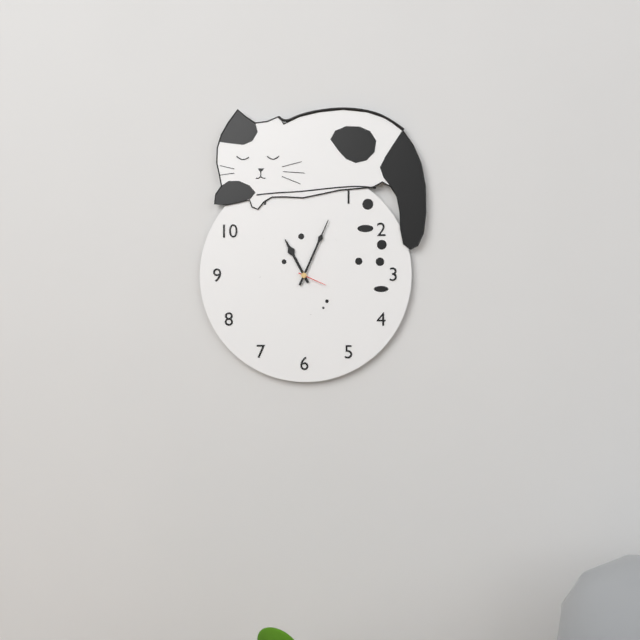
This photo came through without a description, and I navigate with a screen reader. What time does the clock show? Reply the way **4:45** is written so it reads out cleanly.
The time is **11:04**
